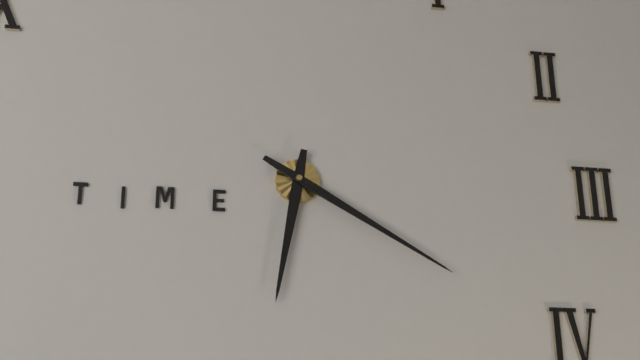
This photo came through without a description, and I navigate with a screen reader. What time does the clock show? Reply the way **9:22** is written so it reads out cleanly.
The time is **6:20**
